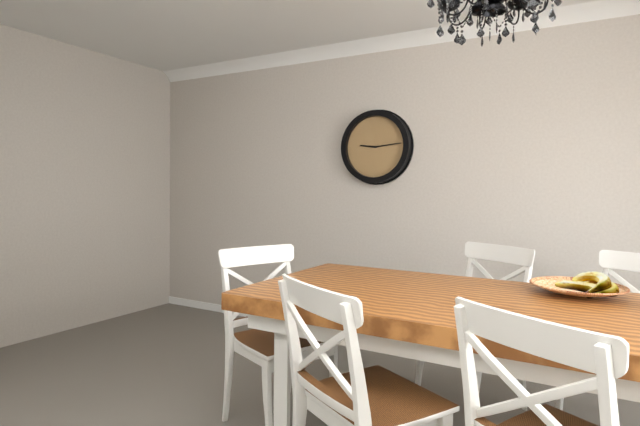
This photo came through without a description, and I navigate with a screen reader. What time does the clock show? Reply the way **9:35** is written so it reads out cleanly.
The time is **9:14**
